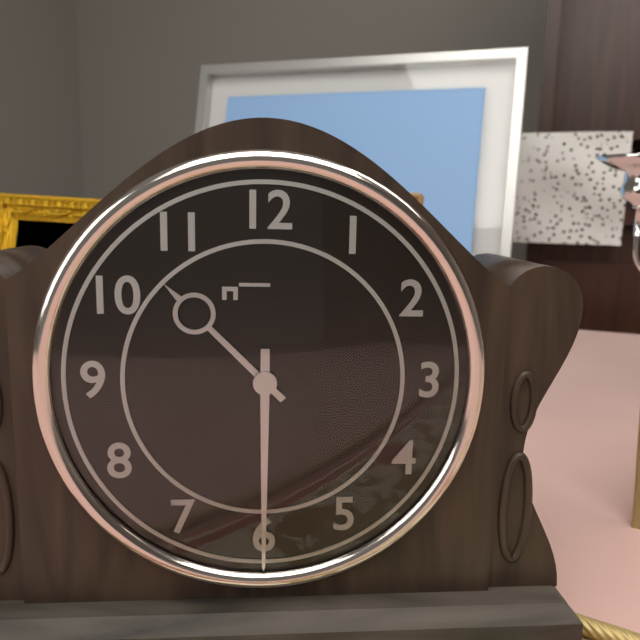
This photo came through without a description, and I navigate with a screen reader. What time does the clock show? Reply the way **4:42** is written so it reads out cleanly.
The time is **10:30**
